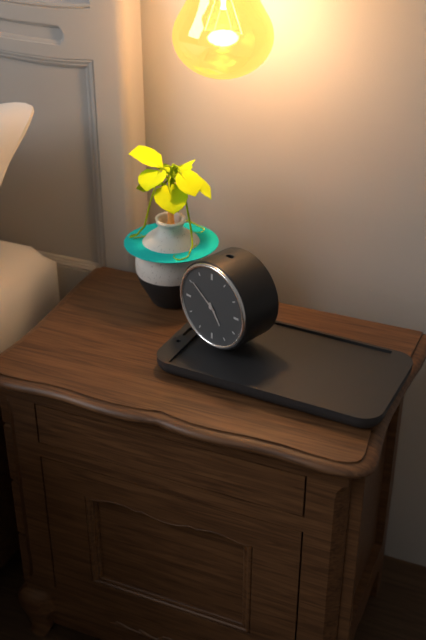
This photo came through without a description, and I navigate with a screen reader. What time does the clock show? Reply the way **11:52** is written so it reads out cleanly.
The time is **4:51**
